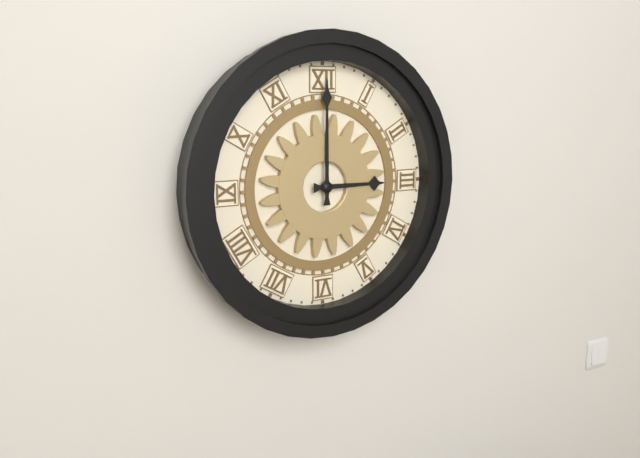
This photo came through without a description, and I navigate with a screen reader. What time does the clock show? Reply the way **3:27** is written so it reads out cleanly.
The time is **3:00**
